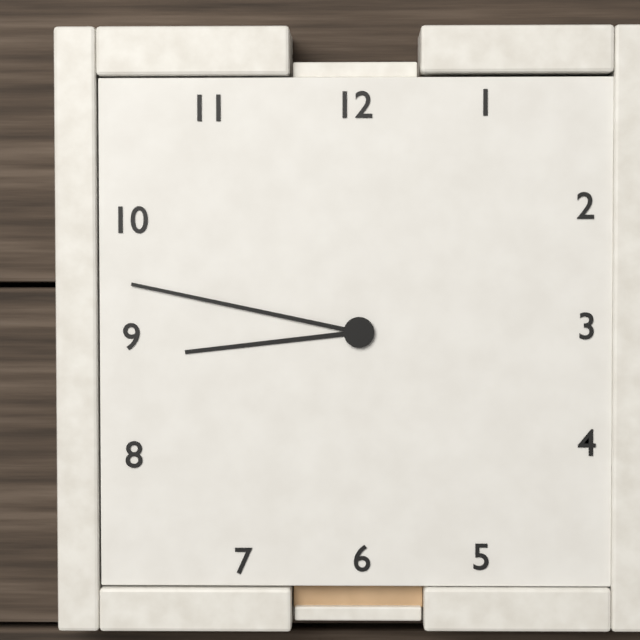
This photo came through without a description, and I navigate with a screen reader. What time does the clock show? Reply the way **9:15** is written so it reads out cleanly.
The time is **8:47**
